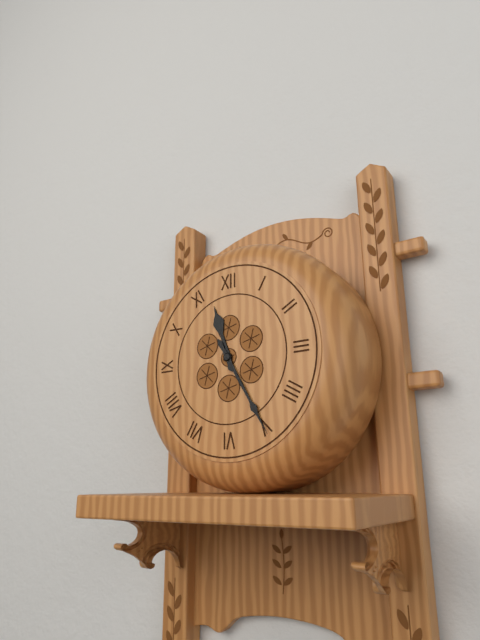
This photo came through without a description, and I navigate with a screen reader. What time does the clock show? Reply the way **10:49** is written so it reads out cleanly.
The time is **11:25**
